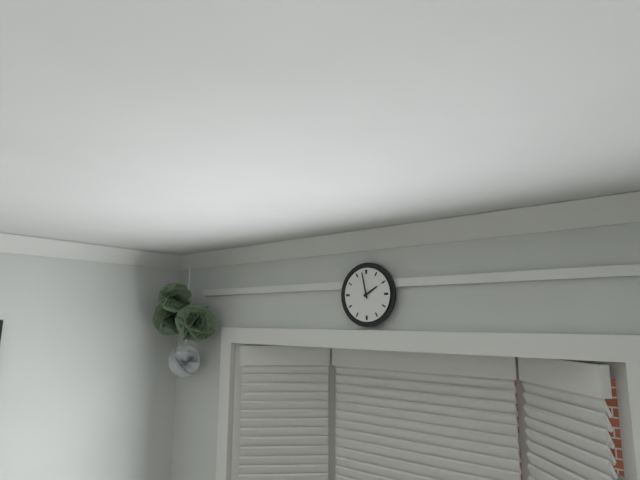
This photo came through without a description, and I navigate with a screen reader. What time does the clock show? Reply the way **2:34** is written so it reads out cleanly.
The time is **1:58**
